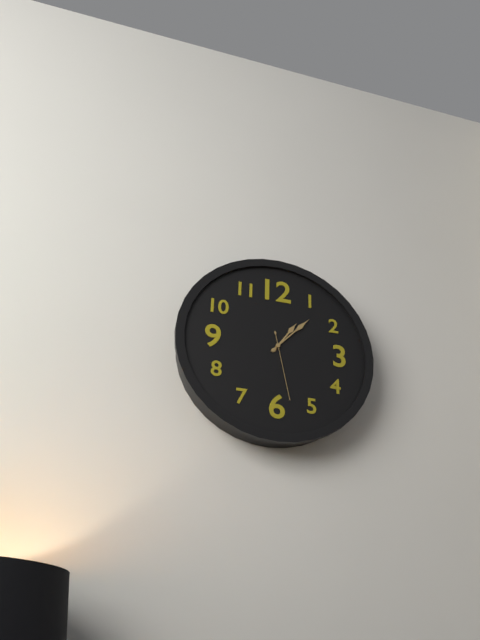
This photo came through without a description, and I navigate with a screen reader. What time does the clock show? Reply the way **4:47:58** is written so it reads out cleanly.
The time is **1:07:28**
